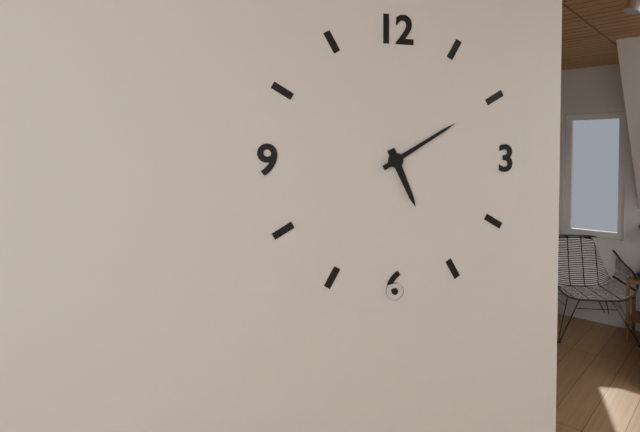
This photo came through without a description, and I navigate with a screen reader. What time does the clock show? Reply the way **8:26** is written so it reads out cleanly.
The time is **5:10**
